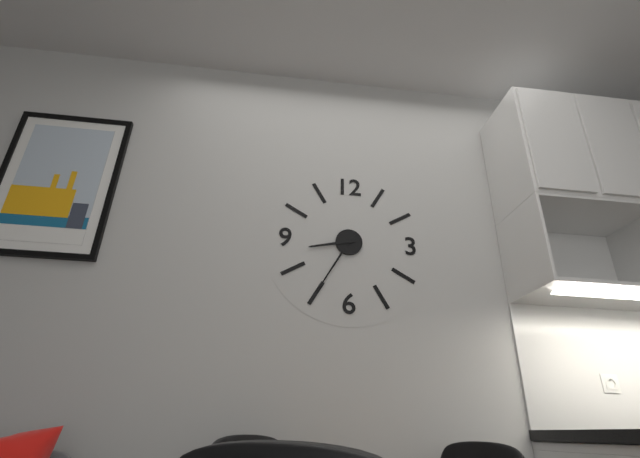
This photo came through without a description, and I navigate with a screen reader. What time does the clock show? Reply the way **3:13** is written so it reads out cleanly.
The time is **8:35**
